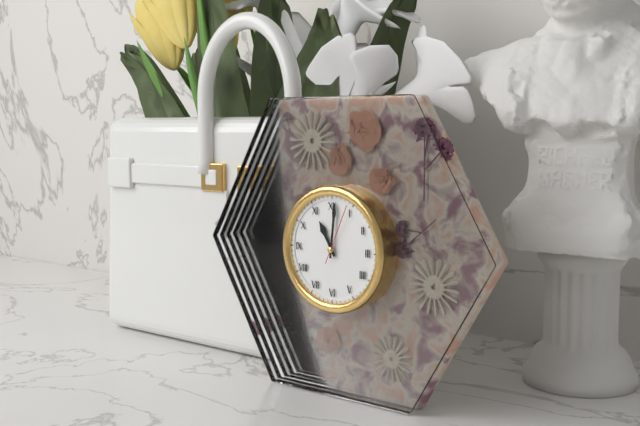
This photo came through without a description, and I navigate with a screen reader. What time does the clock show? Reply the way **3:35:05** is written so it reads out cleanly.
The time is **11:01:04**
